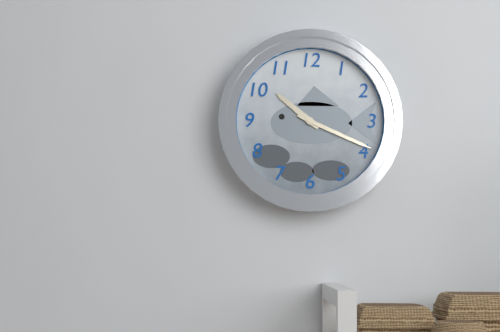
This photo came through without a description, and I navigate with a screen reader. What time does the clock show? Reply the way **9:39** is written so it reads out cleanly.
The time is **10:19**
